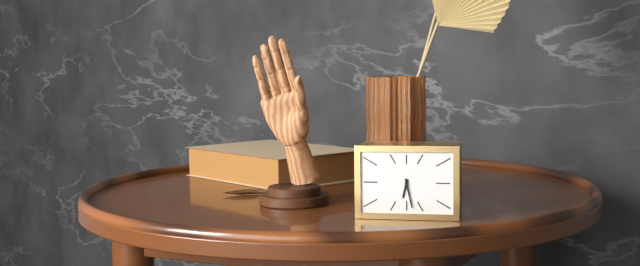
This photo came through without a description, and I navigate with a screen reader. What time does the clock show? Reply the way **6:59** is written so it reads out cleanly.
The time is **6:28**
